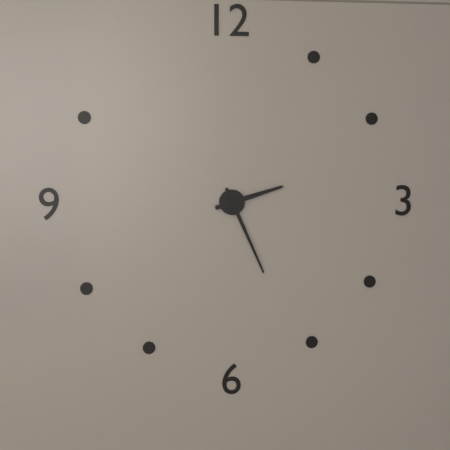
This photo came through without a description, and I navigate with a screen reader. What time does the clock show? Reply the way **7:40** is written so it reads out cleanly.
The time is **2:26**
